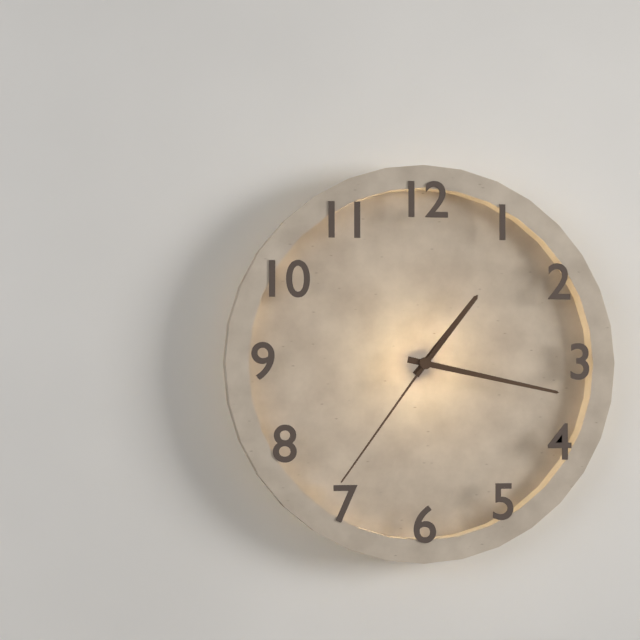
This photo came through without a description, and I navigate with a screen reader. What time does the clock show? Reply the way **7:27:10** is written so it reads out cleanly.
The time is **1:17:36**
